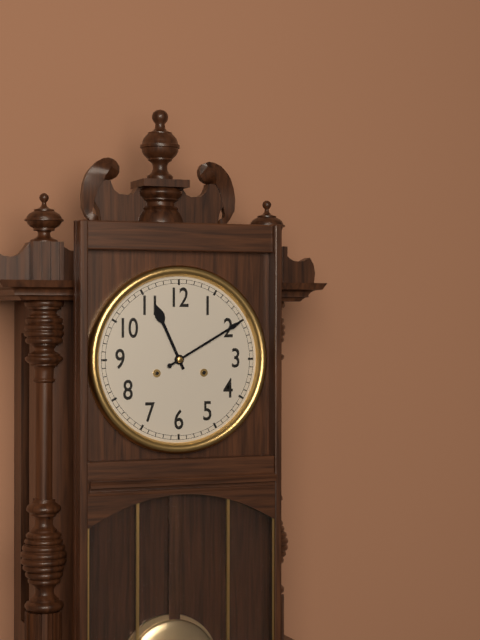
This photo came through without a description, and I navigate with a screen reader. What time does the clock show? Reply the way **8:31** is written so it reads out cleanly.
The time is **11:10**
